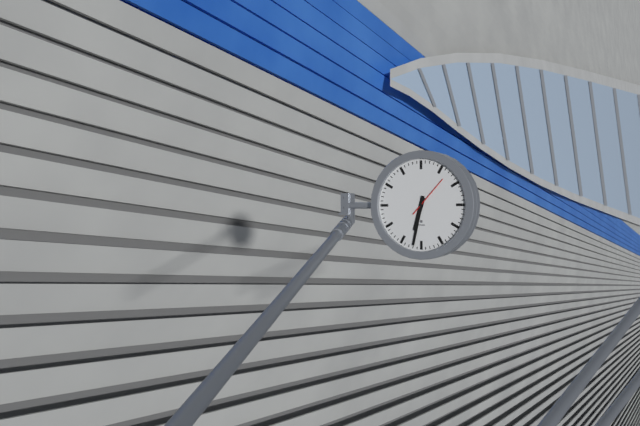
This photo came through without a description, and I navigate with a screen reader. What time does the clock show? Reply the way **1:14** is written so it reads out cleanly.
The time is **6:32**
